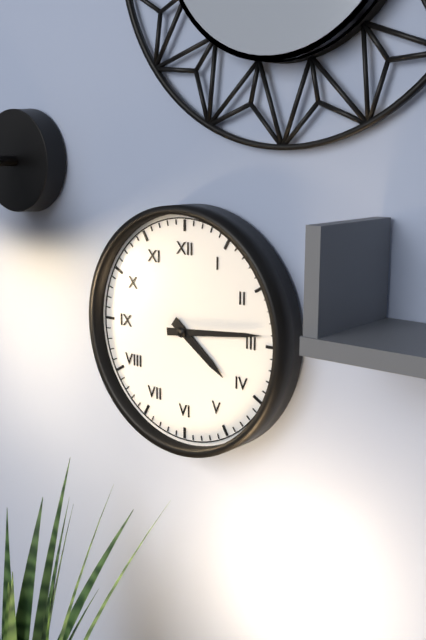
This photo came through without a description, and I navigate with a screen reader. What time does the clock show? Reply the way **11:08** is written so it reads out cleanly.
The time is **4:14**
